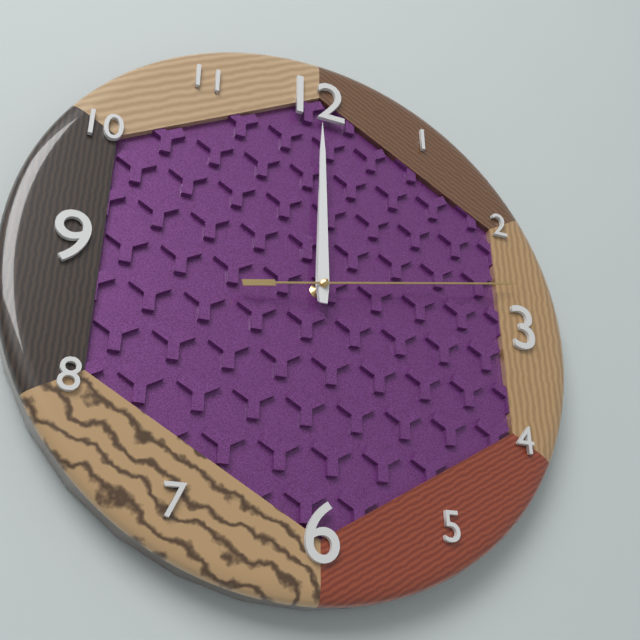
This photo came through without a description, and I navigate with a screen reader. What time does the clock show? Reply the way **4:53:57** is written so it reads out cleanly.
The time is **12:00:13**
